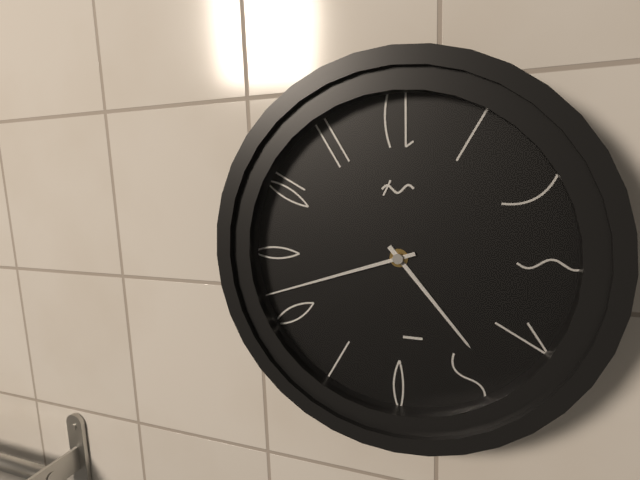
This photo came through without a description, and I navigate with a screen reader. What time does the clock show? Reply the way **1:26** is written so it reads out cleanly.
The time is **4:42**
